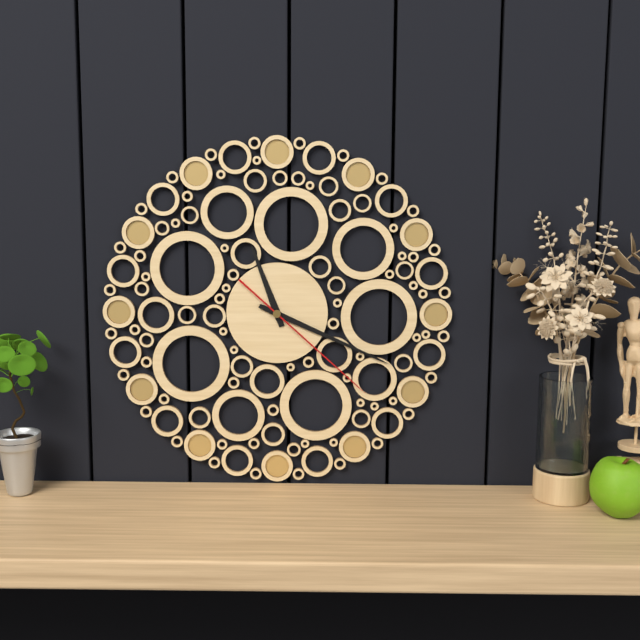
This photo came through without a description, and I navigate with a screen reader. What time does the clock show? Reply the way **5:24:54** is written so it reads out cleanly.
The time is **11:19:22**
